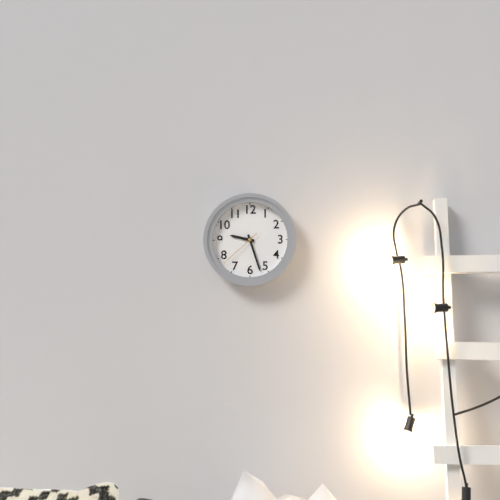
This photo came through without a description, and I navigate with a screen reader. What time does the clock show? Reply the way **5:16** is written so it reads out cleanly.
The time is **9:27**
